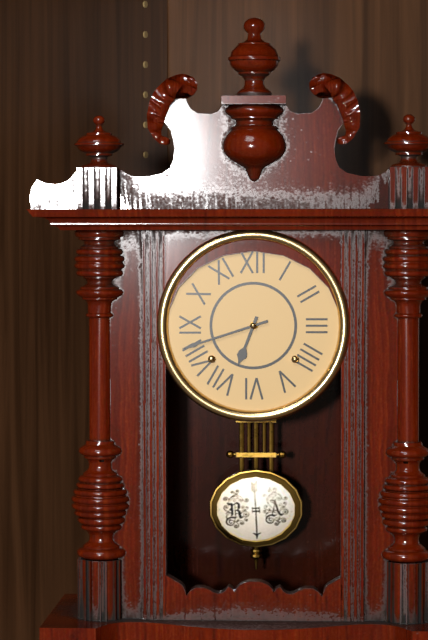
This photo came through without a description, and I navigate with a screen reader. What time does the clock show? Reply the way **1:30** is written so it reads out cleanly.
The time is **6:42**
